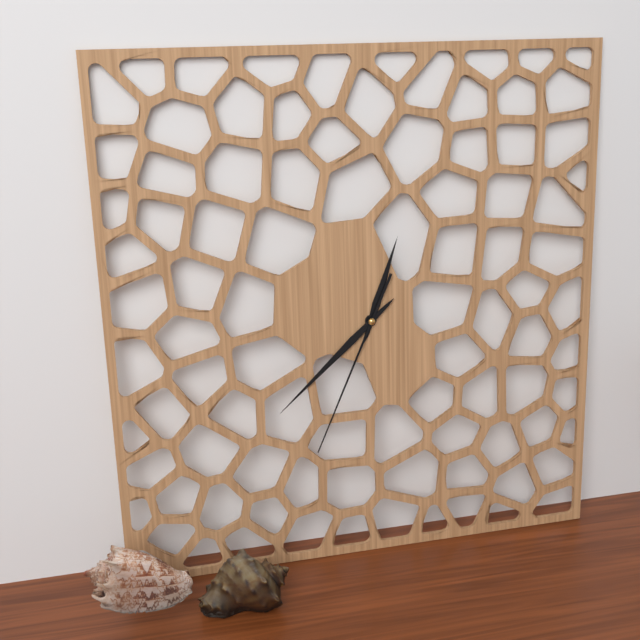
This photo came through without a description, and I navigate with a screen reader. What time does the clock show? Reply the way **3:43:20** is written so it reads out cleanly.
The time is **12:38:34**
